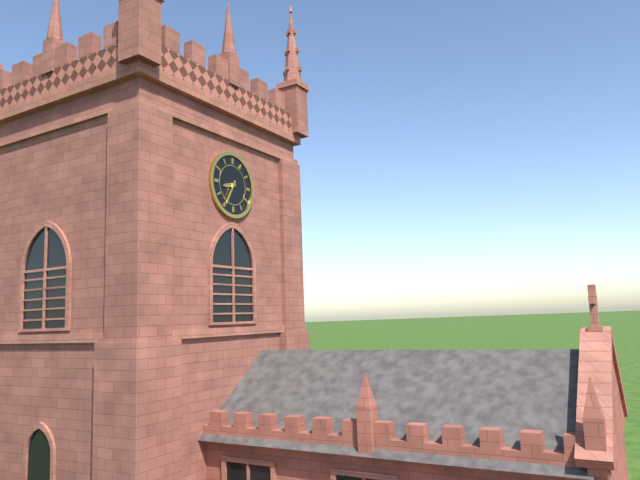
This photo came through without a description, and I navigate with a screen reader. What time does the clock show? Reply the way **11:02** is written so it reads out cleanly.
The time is **8:35**
